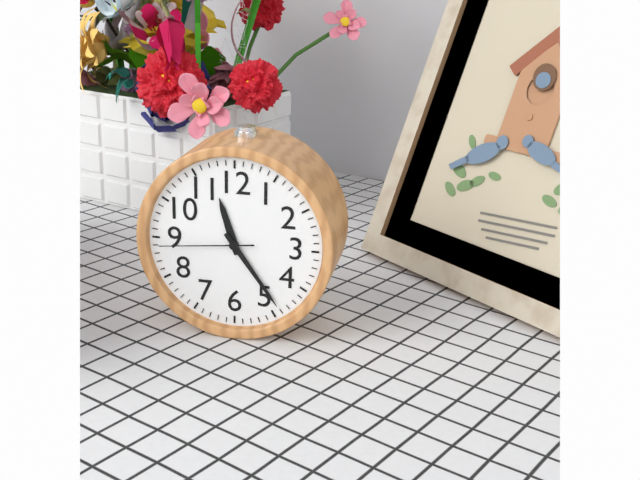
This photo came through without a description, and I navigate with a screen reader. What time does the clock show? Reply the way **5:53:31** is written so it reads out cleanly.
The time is **11:24:44**
